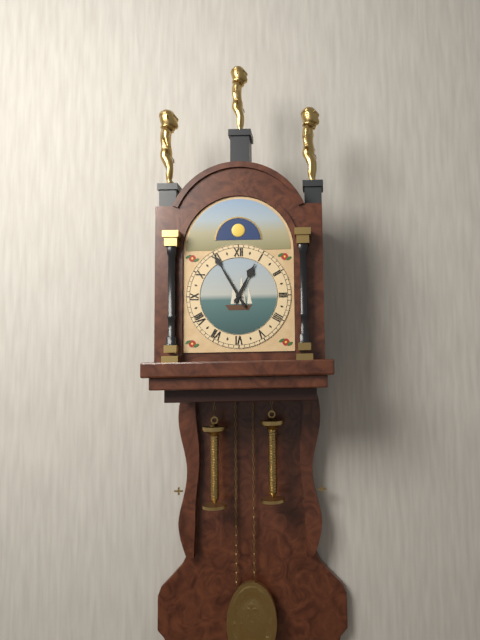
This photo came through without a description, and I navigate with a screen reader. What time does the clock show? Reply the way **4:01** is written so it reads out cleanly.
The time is **12:55**
